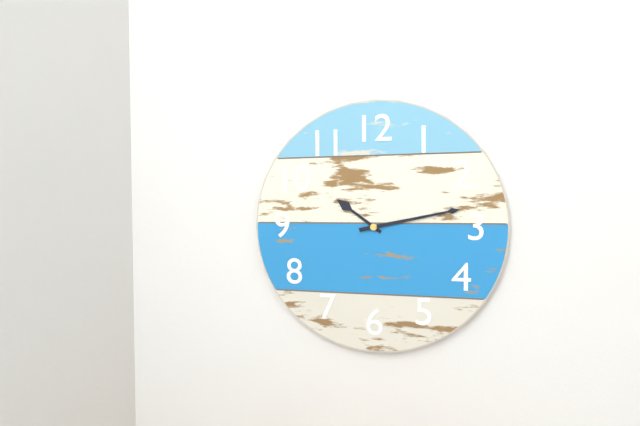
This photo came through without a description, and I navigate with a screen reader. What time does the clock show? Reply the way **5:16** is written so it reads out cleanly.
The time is **10:13**
